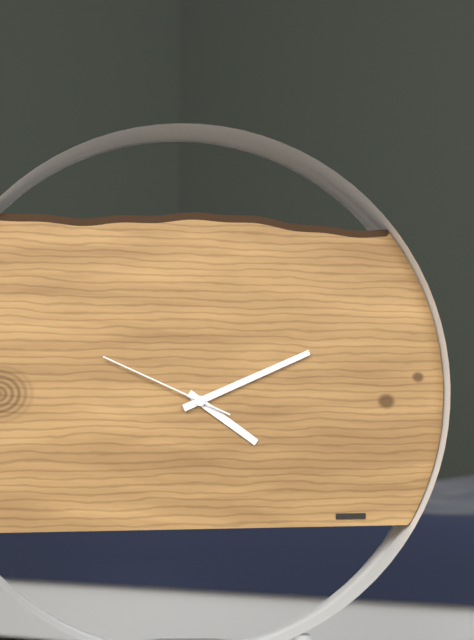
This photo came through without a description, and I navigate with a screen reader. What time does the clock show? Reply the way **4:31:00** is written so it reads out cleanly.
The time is **4:11:49**
